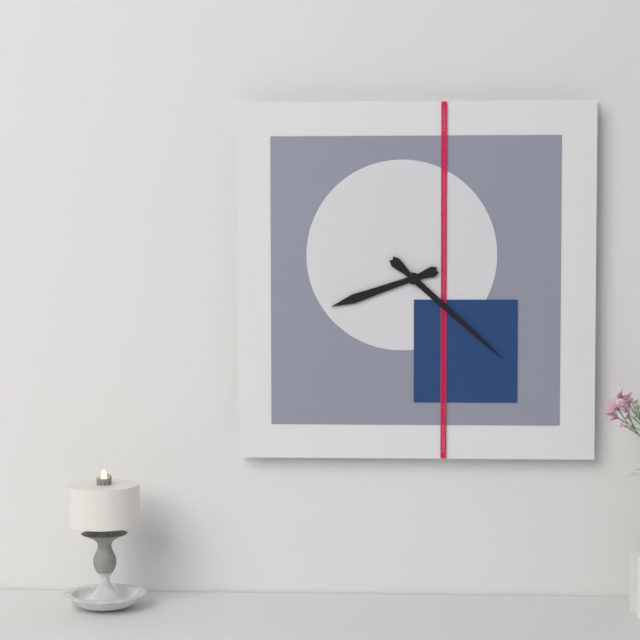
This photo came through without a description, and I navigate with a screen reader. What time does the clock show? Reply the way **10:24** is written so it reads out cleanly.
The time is **8:22**
